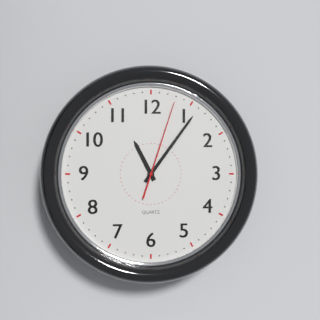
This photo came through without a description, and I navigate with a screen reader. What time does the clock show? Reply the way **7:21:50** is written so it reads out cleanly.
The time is **11:06:03**
